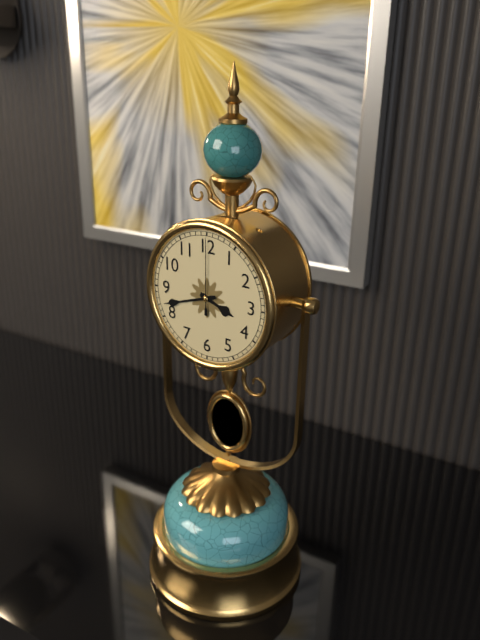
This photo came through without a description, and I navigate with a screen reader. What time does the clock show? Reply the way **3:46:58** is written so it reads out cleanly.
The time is **3:42:00**
